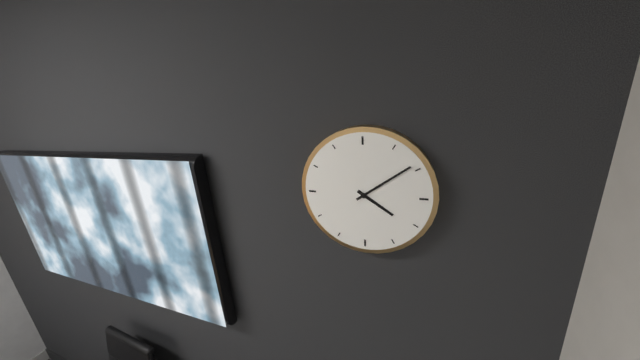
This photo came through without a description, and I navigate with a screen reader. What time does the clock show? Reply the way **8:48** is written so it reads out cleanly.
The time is **4:09**
